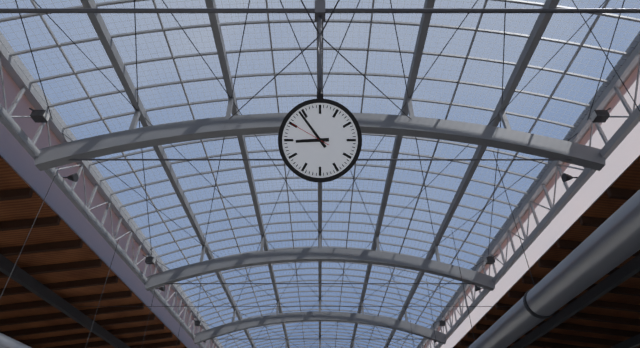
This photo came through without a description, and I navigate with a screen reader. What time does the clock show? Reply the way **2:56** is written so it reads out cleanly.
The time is **8:54**
